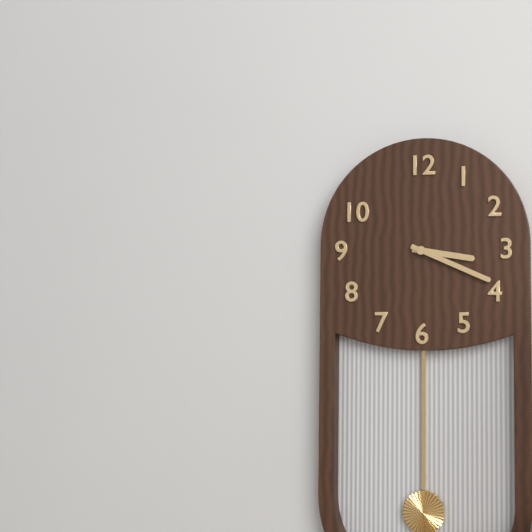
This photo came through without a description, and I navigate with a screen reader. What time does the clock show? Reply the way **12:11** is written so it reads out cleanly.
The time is **3:19**
